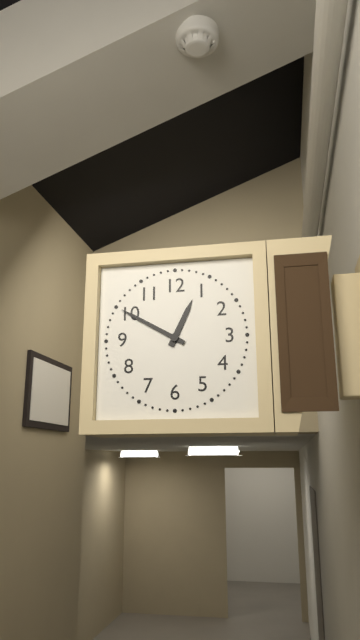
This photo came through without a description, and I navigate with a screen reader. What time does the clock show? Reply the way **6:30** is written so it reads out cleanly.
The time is **12:50**
